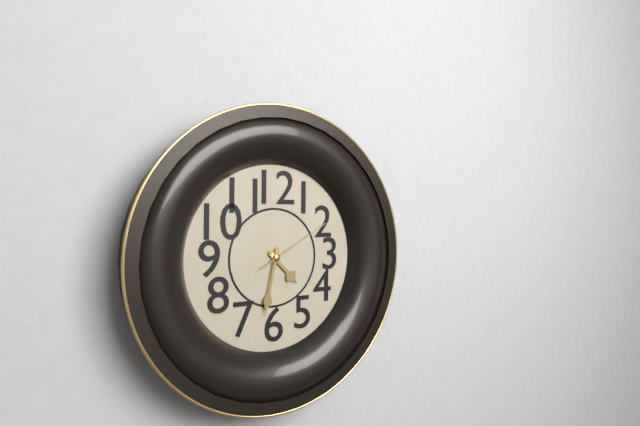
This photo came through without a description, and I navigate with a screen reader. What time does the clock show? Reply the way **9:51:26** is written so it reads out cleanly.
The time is **4:32:10**
